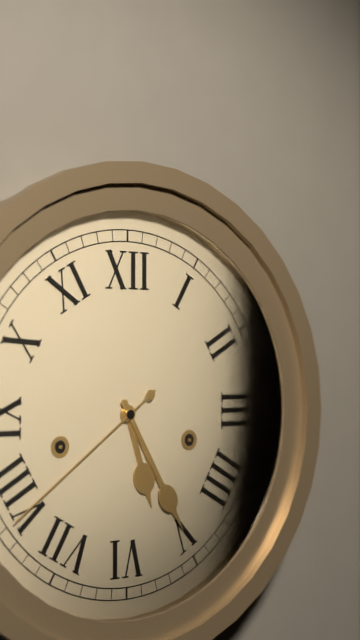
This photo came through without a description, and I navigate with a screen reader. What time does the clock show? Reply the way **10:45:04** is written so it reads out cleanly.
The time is **5:25:39**
